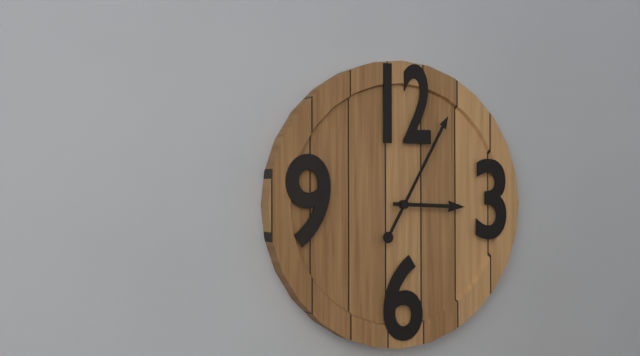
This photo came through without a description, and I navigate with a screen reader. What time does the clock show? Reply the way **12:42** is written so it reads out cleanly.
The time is **3:05**
